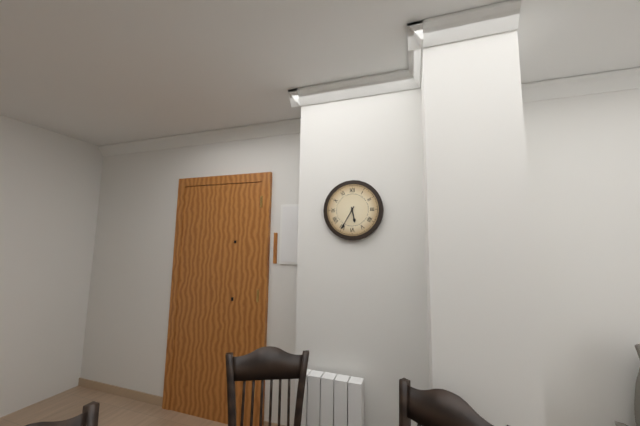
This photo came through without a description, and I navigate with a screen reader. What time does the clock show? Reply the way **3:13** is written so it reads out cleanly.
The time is **5:35**
